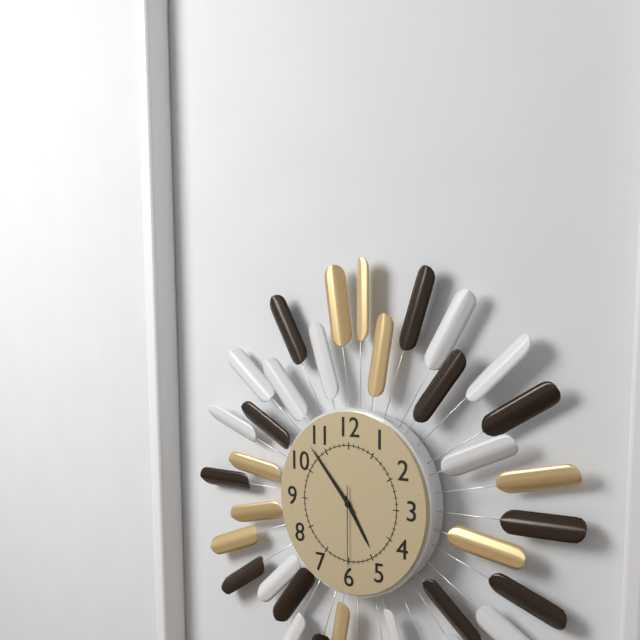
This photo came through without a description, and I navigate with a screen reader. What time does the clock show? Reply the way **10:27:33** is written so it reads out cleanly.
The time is **4:53:30**
